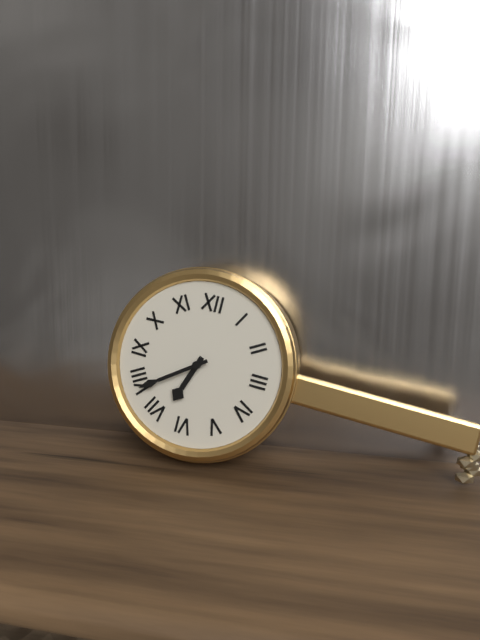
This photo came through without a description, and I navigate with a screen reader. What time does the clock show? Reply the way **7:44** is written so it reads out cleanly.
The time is **6:39**
